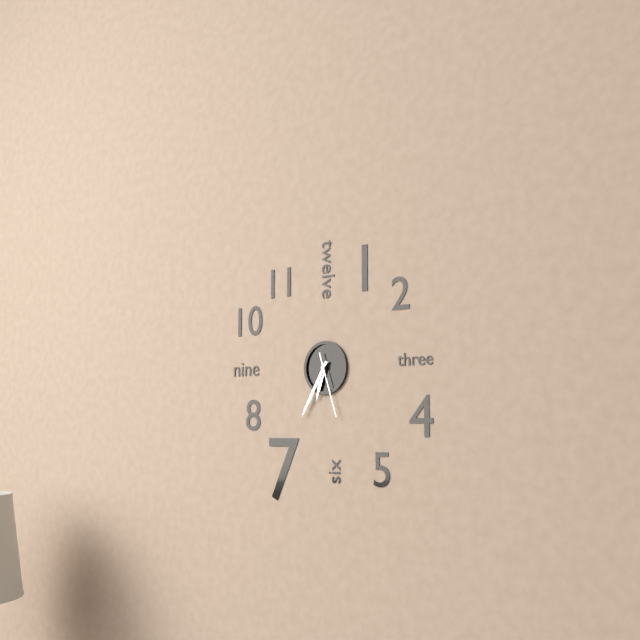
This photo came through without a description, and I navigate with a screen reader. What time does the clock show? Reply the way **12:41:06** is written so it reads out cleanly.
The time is **6:35:27**
